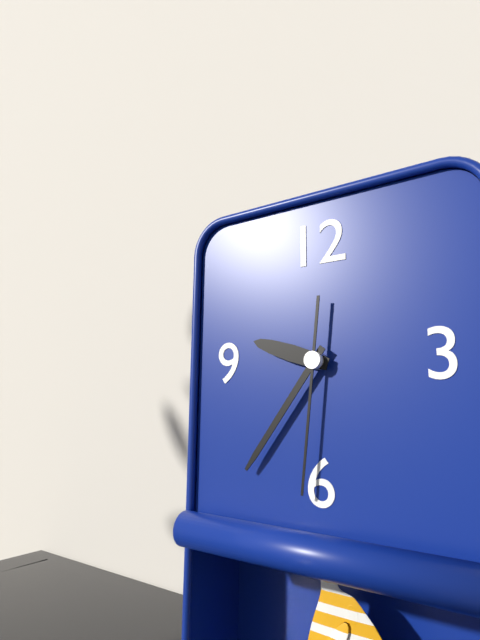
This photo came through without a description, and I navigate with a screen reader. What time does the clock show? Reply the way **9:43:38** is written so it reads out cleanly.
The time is **9:36:31**
